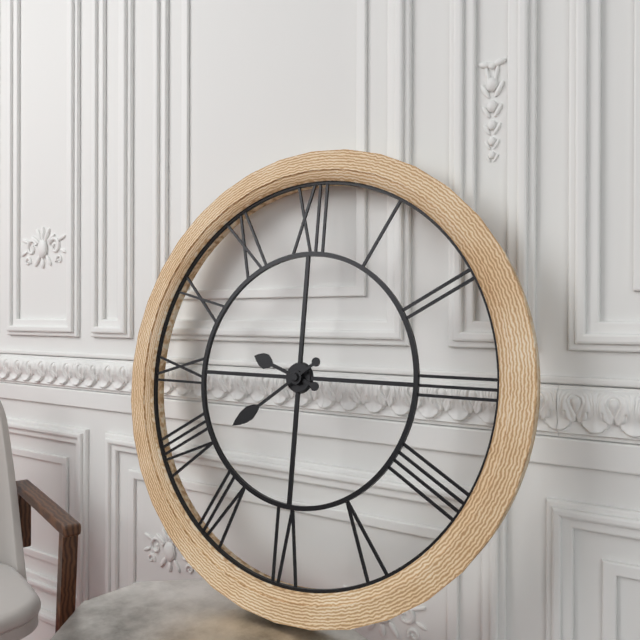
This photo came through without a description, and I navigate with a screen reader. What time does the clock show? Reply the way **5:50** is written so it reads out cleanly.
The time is **9:39**
